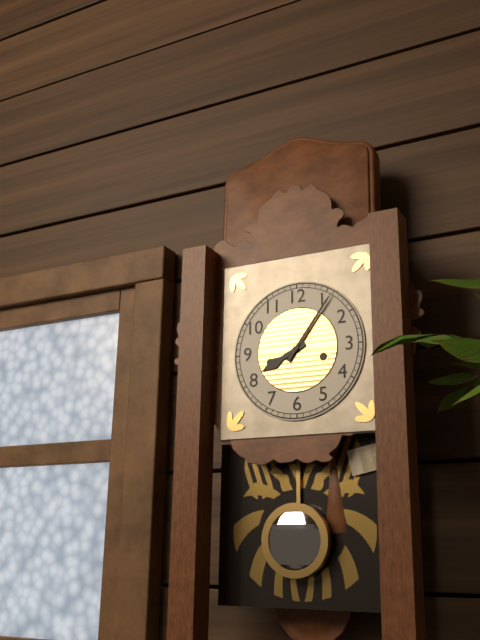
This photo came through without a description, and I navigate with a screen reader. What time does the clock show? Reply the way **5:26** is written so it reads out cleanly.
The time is **8:06**
